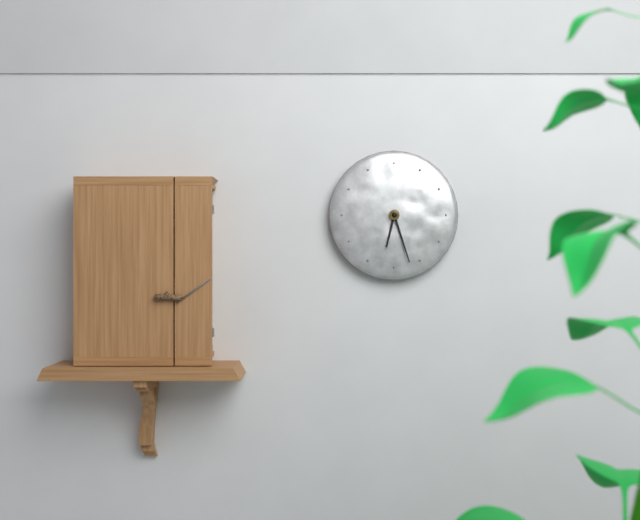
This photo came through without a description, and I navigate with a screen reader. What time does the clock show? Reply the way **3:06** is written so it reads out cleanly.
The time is **6:27**
